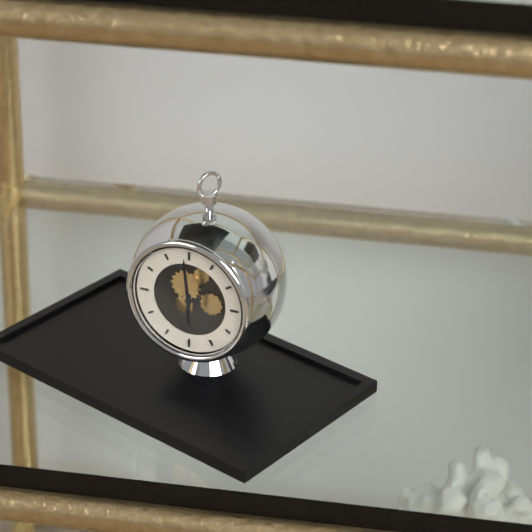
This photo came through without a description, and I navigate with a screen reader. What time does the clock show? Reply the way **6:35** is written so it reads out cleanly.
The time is **5:59**
